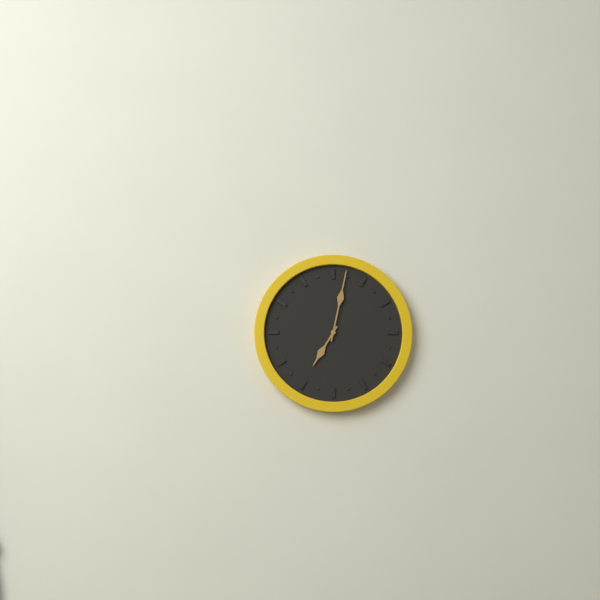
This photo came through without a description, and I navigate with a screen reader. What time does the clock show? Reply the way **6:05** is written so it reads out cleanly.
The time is **7:02**
